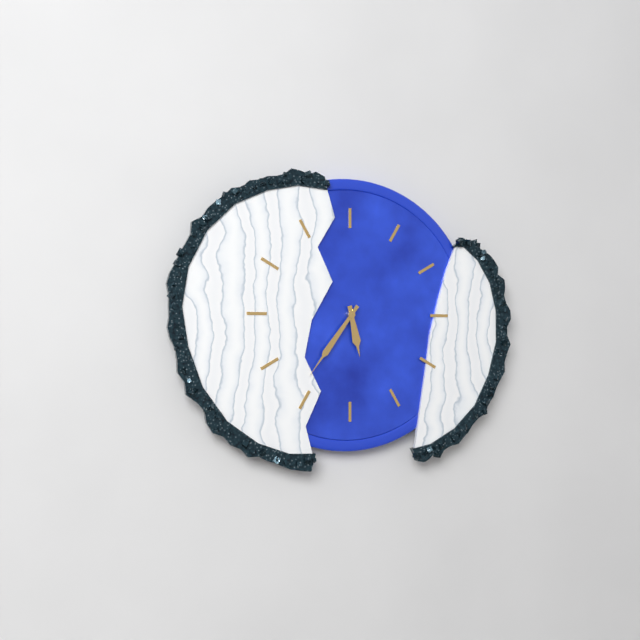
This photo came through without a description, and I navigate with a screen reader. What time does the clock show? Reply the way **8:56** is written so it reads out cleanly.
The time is **5:36**
